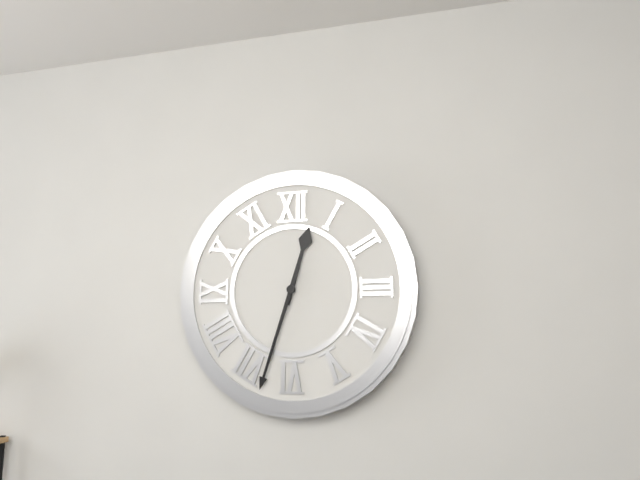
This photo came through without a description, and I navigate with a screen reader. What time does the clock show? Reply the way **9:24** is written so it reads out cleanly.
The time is **12:33**
